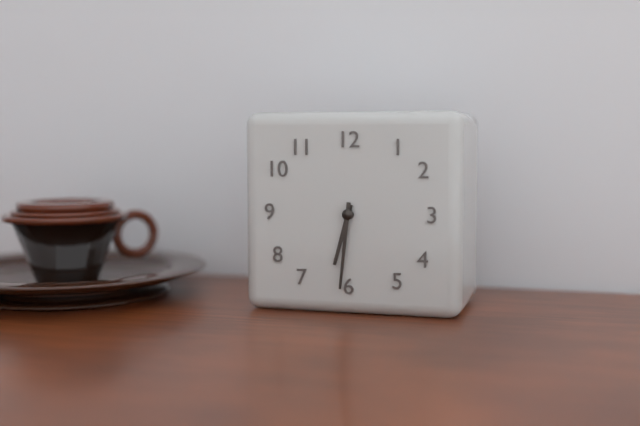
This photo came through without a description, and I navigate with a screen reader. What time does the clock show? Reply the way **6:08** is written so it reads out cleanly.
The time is **6:31**
